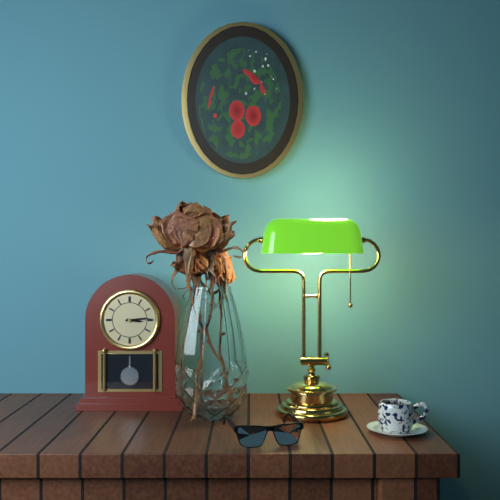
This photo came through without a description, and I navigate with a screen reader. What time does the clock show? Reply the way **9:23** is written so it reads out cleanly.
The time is **3:14**
